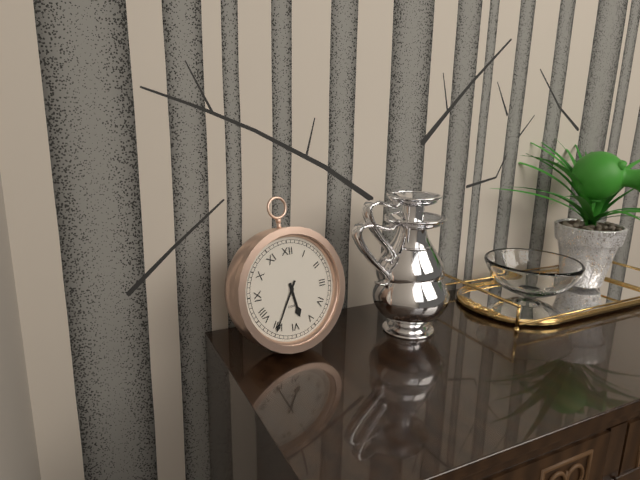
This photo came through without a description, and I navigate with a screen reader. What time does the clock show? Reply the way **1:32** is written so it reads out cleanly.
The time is **5:35**
